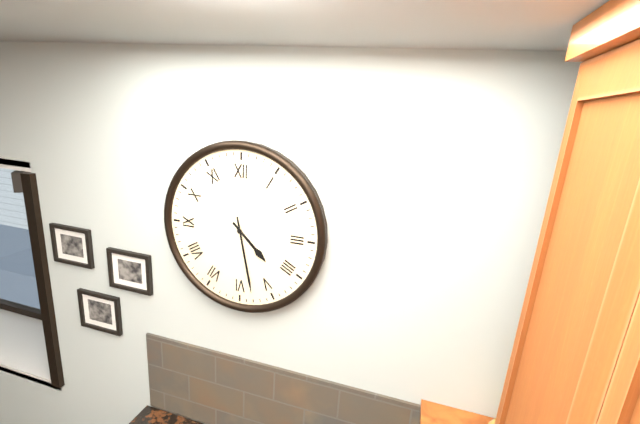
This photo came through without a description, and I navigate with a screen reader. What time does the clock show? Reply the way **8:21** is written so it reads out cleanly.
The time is **4:28**
